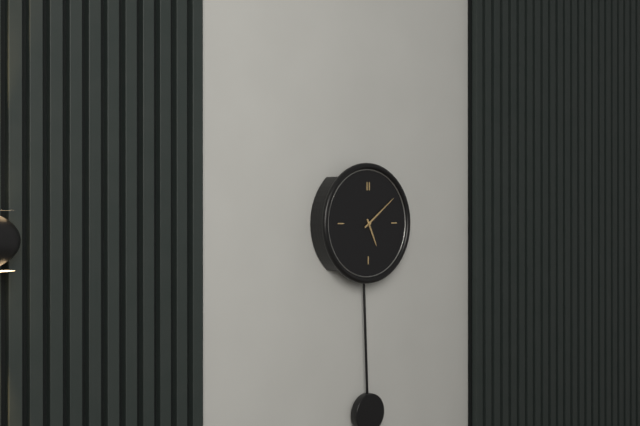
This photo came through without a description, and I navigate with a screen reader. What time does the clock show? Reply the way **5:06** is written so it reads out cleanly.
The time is **5:09**
